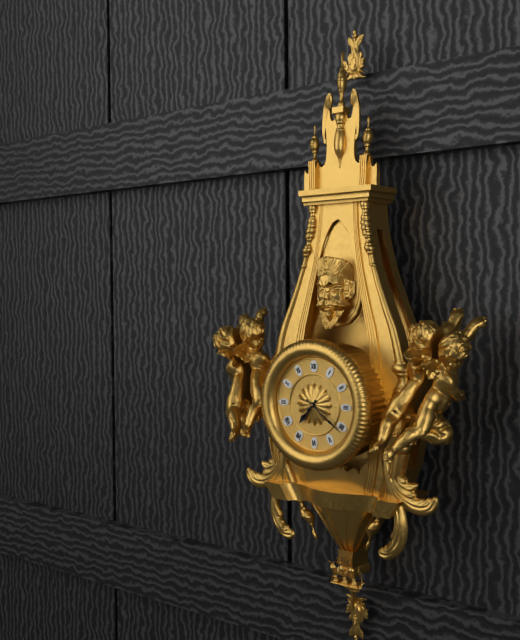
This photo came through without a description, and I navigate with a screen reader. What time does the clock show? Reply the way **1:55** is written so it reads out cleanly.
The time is **7:21**
